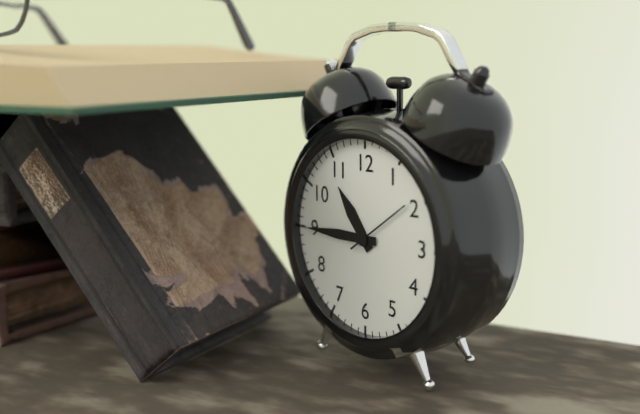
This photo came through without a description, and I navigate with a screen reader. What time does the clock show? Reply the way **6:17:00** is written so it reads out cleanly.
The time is **10:45:09**
